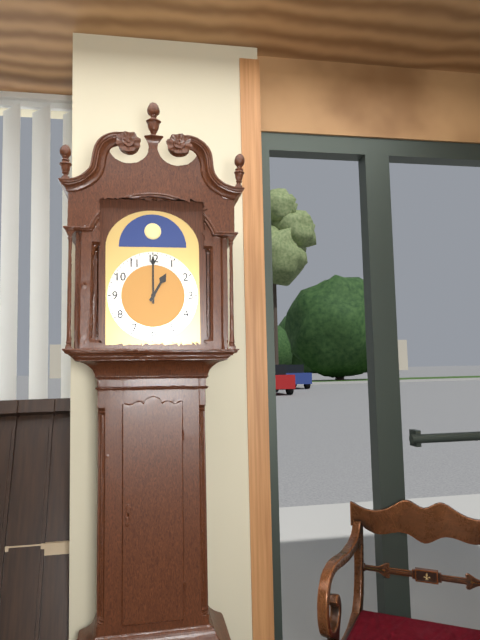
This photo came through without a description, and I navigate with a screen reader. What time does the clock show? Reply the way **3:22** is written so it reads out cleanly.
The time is **1:00**
